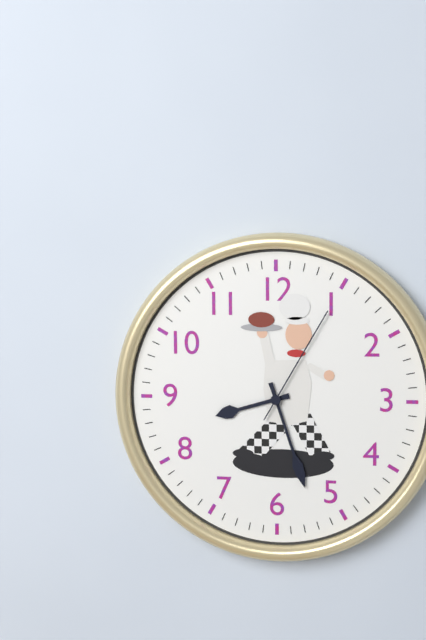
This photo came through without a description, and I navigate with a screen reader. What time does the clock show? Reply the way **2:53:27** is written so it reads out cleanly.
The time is **8:27:05**
